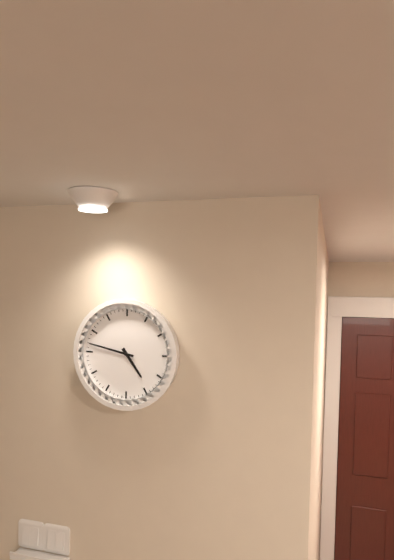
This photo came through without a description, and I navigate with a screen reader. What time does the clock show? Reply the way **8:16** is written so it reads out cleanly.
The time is **4:47**
